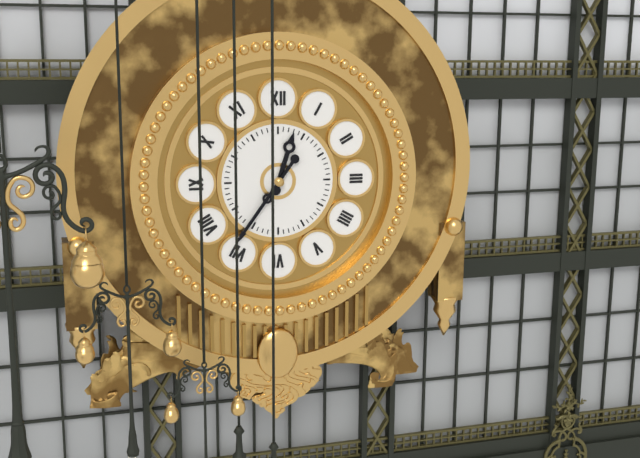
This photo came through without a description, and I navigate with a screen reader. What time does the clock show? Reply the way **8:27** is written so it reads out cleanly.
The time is **12:36**
